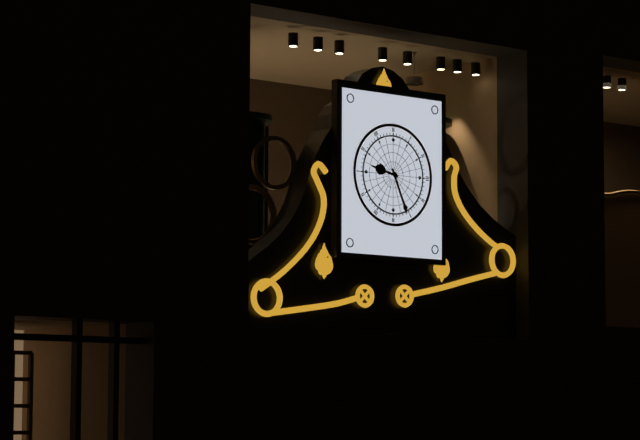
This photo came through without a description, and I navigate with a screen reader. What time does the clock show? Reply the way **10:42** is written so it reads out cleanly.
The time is **9:26**
